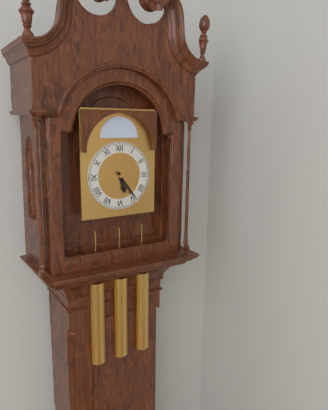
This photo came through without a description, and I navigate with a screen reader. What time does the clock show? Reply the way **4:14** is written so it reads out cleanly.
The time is **5:24**
